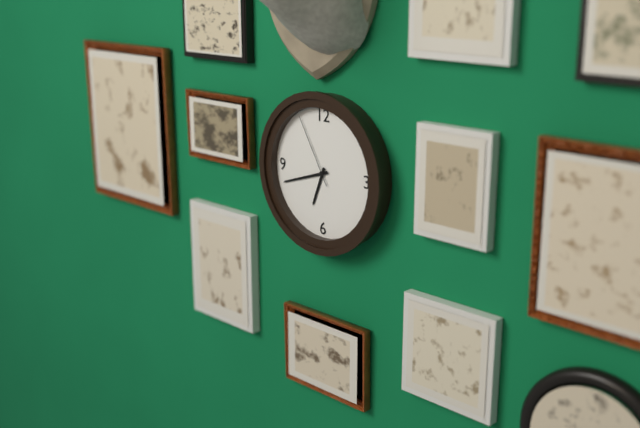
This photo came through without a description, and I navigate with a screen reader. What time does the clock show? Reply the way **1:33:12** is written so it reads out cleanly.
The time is **6:42:55**
